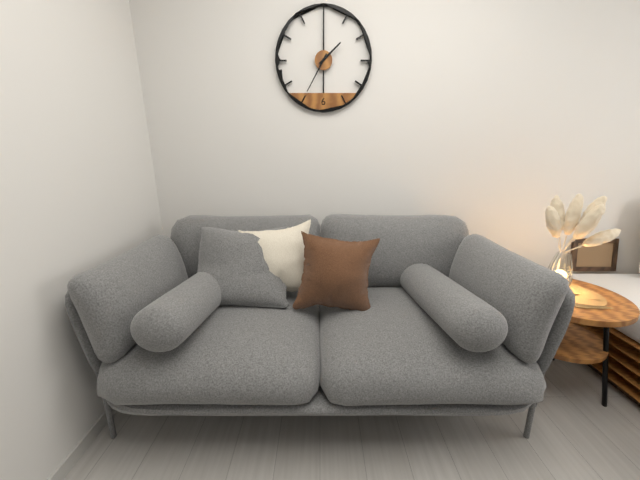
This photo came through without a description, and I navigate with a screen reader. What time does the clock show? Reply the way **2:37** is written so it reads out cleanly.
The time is **1:35**
